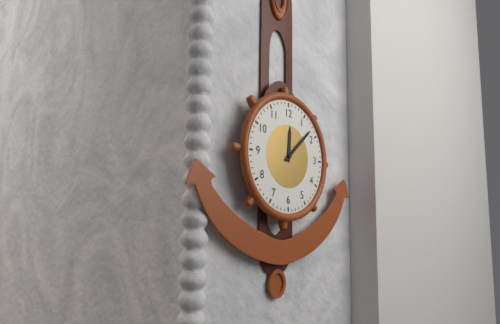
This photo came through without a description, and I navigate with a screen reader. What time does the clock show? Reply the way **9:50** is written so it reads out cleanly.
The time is **12:08**
